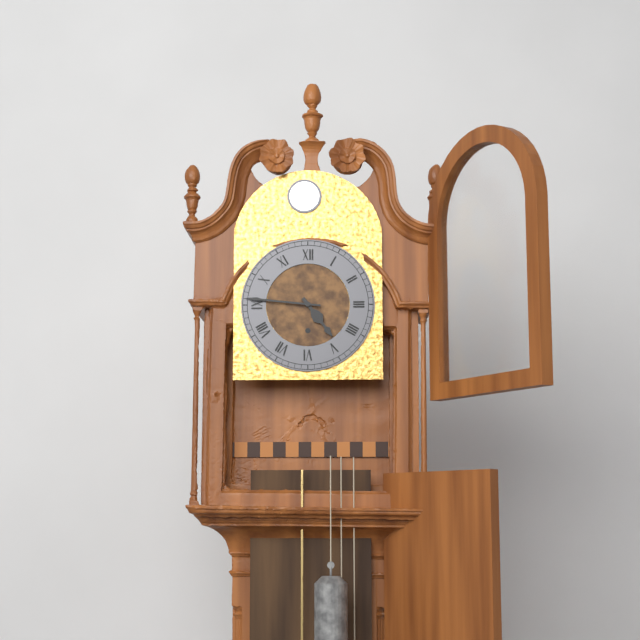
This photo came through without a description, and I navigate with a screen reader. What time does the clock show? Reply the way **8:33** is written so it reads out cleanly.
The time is **4:46**
